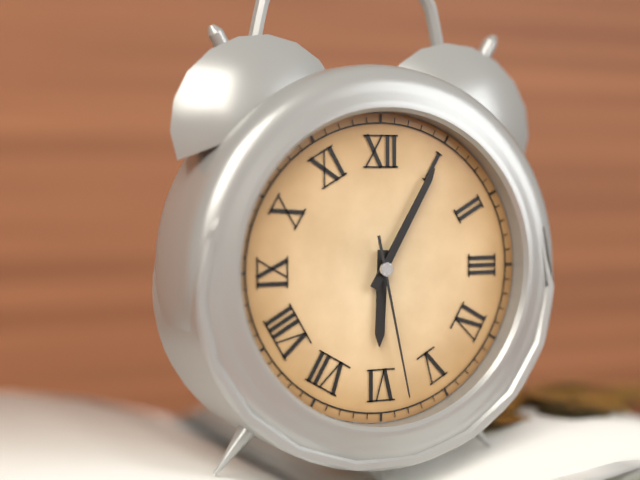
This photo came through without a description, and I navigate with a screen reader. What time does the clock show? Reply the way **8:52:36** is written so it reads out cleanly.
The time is **6:05:28**
